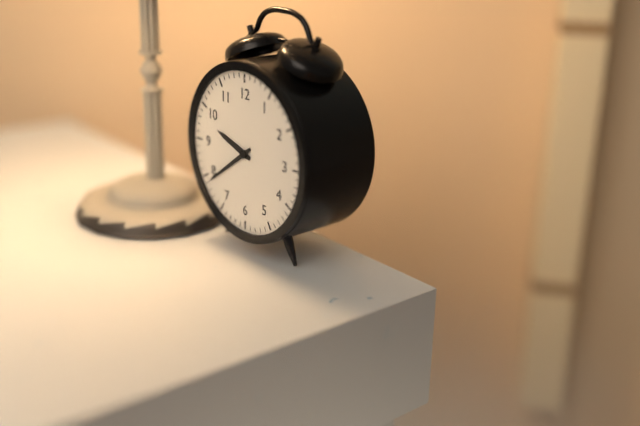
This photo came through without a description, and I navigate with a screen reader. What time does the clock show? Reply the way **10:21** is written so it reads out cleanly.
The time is **9:39**
